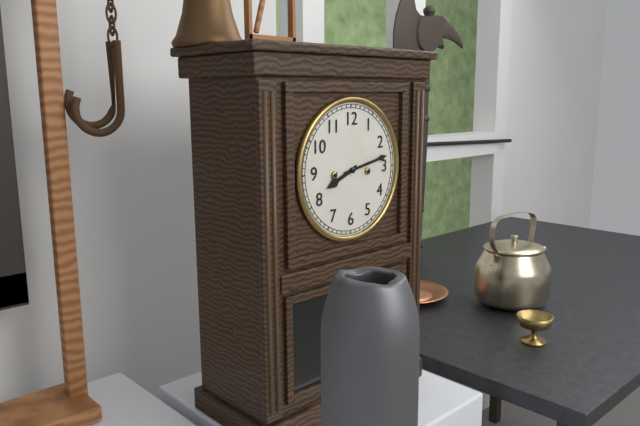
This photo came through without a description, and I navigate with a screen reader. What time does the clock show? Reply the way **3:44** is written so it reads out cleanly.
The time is **8:13**
